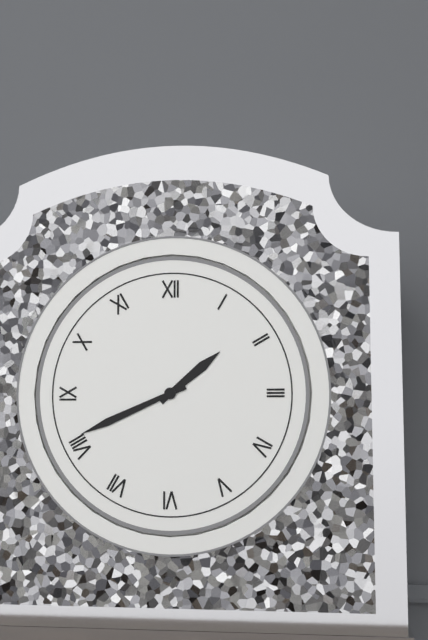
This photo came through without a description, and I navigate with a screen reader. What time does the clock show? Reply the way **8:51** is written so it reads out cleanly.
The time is **1:41**
